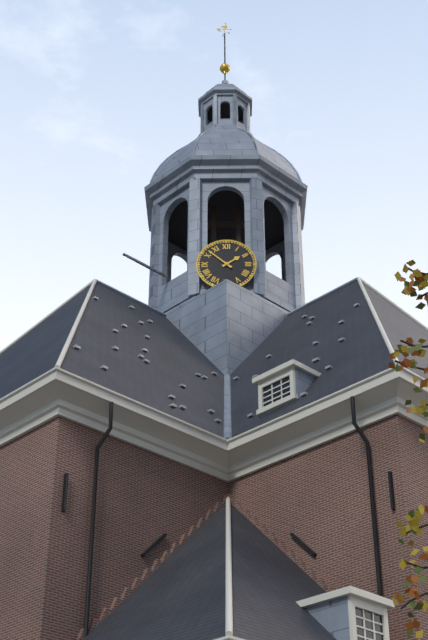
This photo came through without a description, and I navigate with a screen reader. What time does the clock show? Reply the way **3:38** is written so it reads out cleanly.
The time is **1:52**
